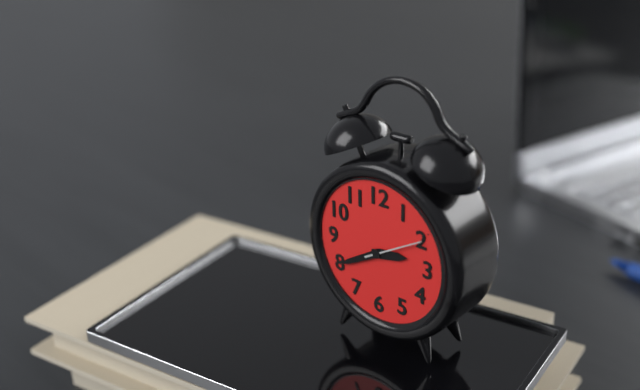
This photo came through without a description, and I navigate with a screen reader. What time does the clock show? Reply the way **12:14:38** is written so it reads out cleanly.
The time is **2:40:10**
